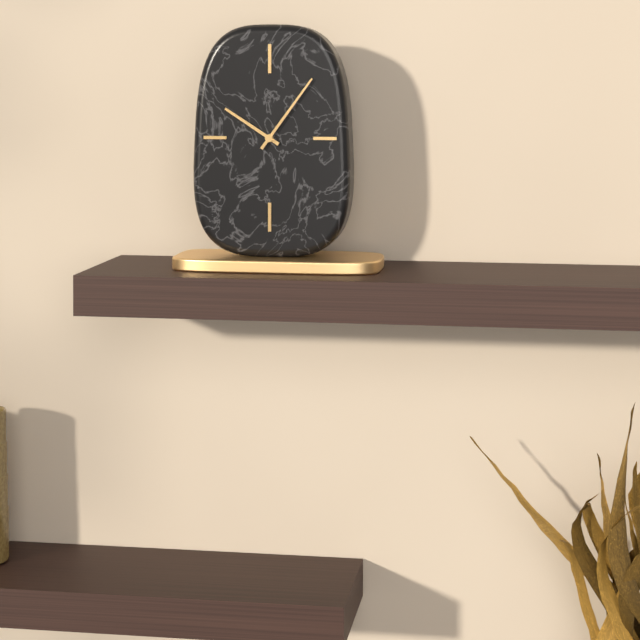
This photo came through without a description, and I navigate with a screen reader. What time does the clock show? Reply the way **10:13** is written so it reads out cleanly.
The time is **10:06**
